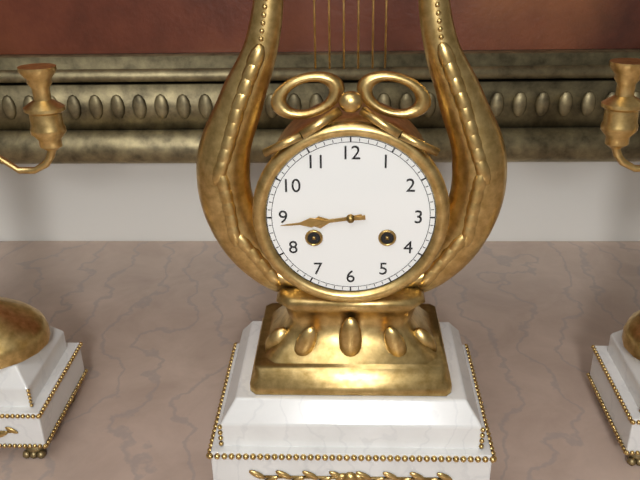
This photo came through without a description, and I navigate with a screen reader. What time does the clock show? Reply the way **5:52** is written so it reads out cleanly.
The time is **8:44**
